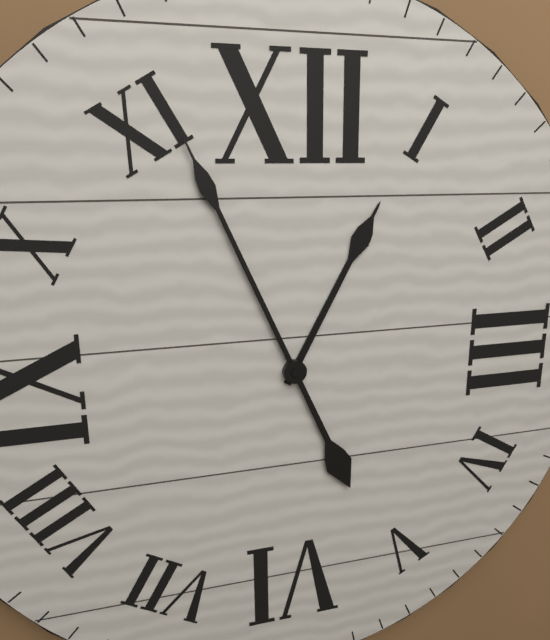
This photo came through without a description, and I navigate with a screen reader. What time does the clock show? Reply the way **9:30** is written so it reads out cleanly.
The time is **12:56**
